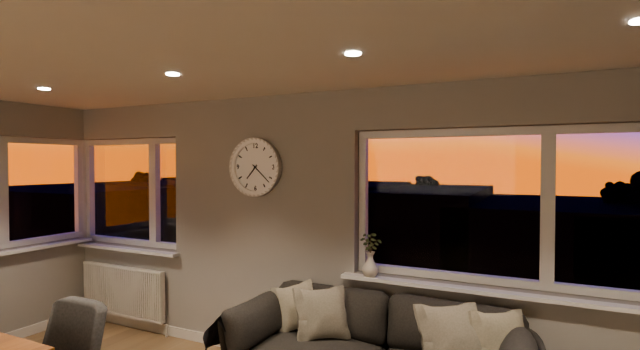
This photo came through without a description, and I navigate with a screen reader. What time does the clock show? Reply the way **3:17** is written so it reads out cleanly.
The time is **7:22**
